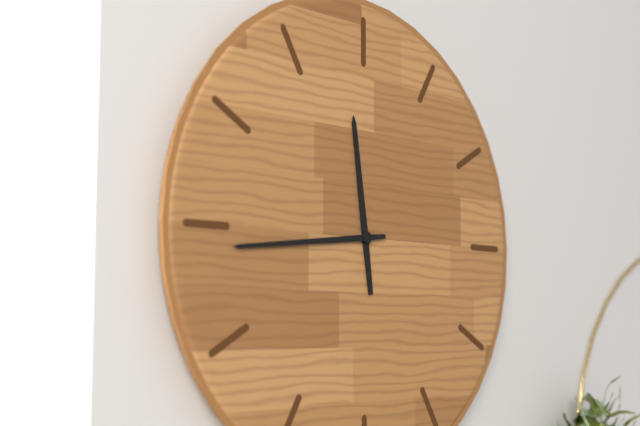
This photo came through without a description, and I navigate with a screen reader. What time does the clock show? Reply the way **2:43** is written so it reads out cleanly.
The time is **11:44**
